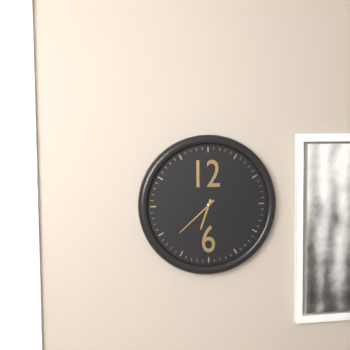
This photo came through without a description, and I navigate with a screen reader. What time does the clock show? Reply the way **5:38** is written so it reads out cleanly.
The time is **6:38**
